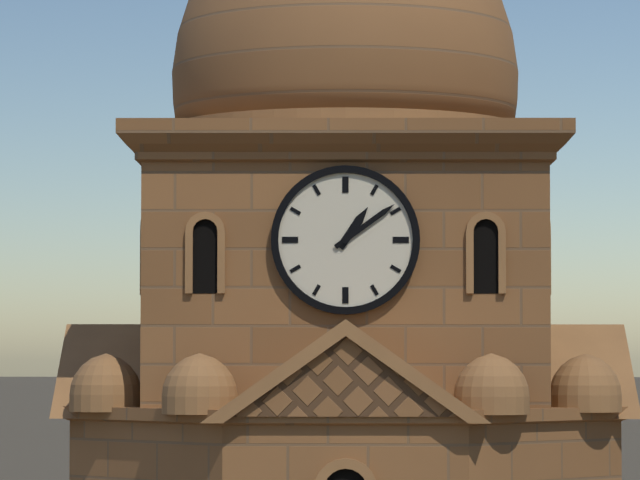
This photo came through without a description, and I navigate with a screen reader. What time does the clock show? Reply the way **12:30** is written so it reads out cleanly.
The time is **1:09**
